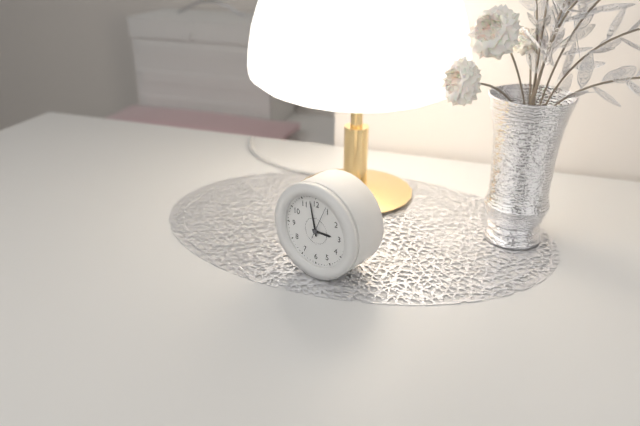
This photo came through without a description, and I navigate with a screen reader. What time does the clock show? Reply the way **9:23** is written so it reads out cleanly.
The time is **2:58**
